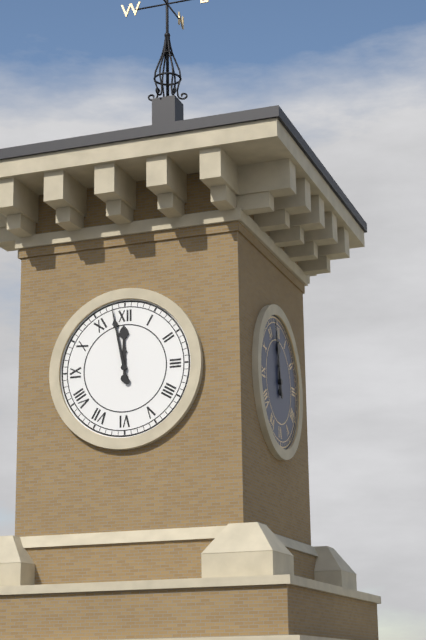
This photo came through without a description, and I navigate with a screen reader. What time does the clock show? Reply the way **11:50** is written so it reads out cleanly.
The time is **11:58**
